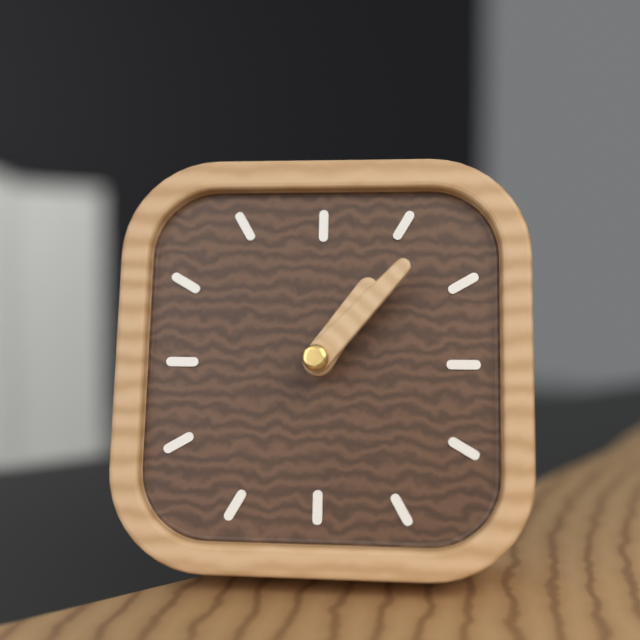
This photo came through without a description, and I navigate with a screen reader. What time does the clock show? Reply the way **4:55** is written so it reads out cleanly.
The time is **1:07**
